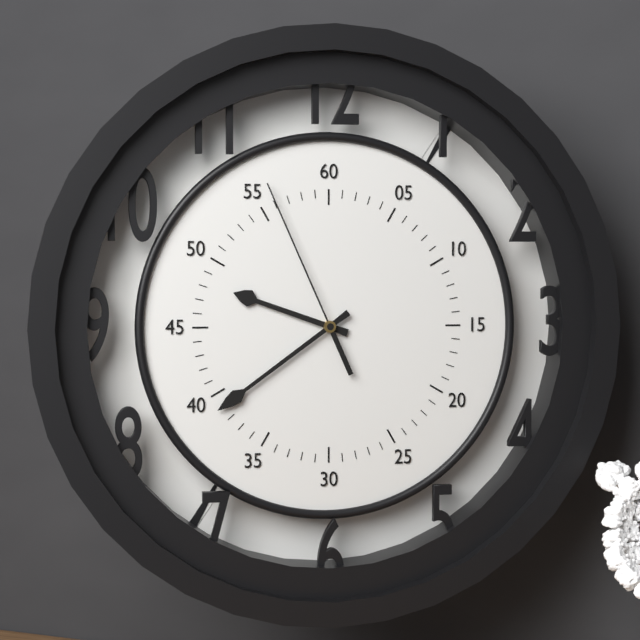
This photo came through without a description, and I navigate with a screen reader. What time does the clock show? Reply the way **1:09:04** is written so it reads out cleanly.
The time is **9:39:56**
